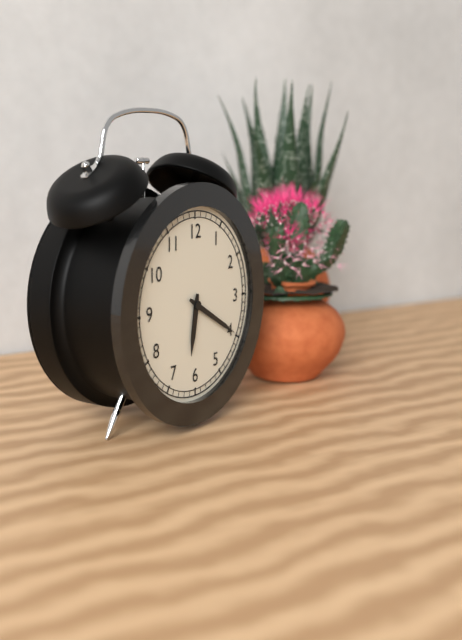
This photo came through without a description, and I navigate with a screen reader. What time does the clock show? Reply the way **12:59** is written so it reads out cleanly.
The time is **6:20**
